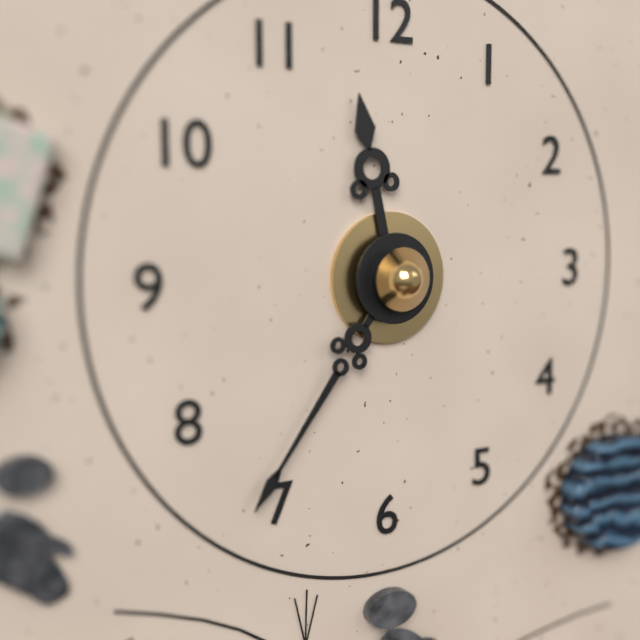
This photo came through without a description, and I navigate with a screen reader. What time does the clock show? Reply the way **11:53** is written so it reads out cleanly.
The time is **11:36**
